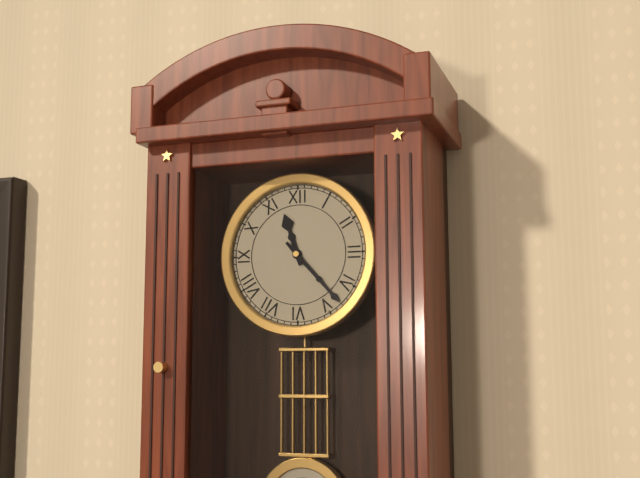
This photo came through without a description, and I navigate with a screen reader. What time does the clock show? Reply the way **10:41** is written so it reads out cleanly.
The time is **11:23**
